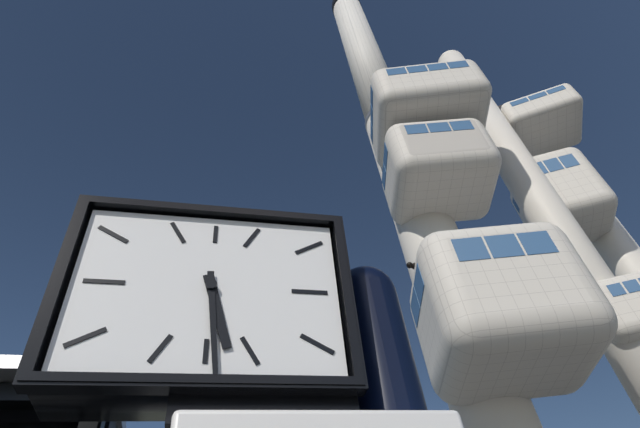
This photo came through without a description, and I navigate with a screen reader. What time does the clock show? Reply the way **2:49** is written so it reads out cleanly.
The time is **5:29**
